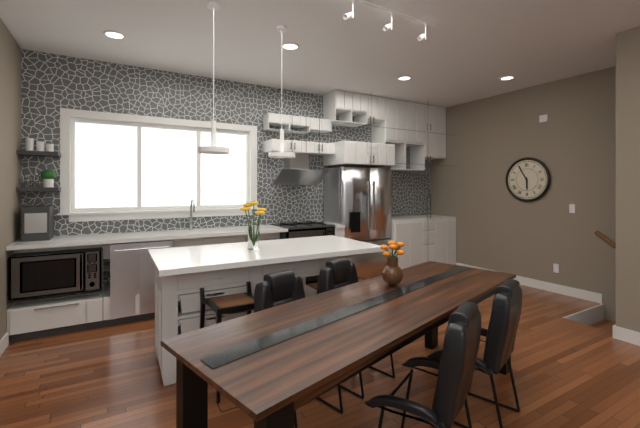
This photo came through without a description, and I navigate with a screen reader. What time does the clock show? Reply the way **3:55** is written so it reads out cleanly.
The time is **5:55**
